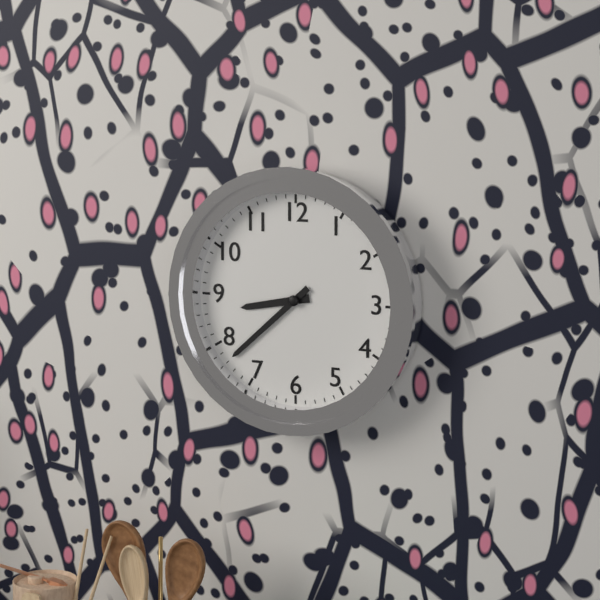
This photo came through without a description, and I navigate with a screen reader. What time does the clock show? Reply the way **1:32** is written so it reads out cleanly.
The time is **8:38**
